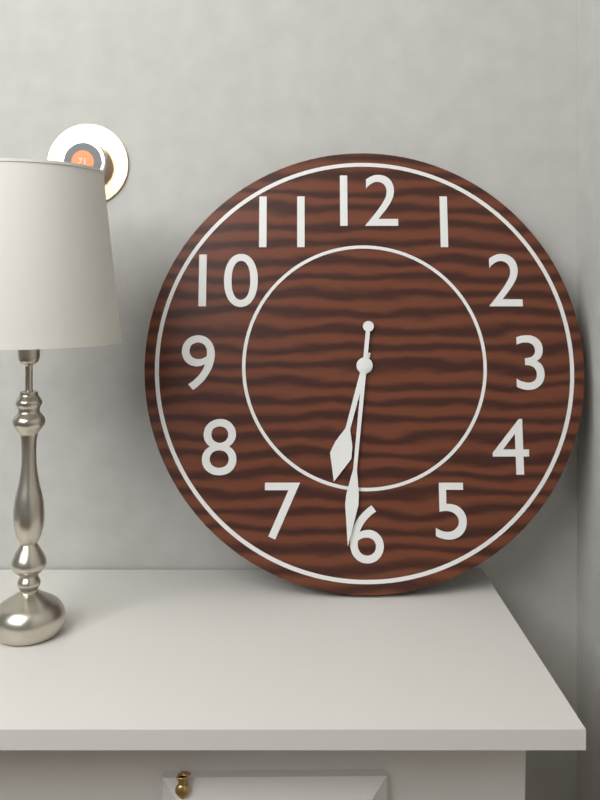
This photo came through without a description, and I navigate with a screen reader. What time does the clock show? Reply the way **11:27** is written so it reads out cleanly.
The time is **6:31**
